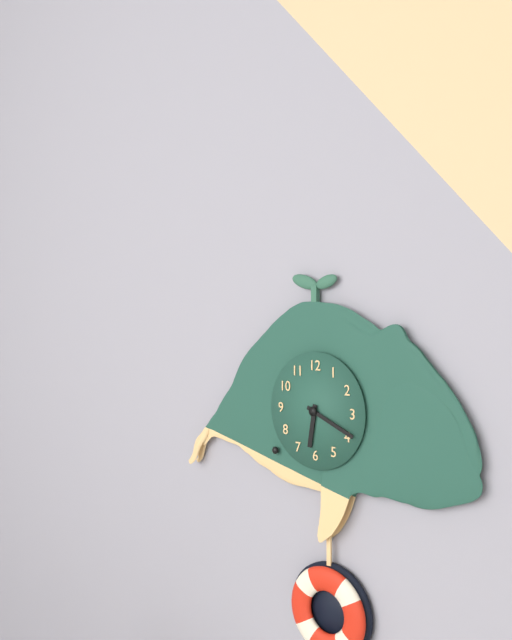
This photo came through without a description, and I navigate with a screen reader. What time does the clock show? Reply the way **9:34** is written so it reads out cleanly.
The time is **6:19**
